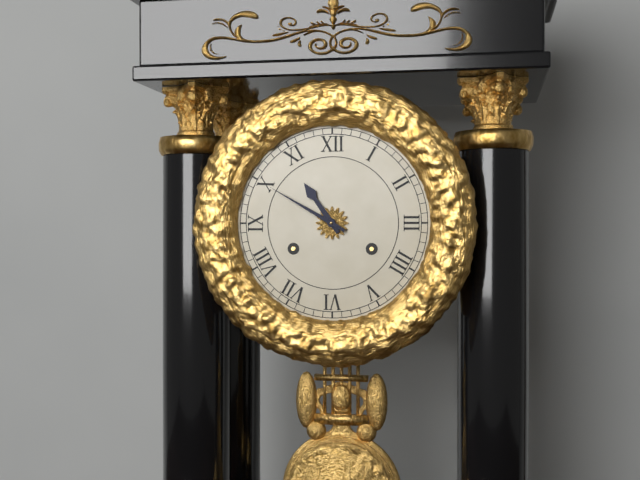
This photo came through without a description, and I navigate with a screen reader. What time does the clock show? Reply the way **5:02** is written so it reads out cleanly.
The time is **10:50**
